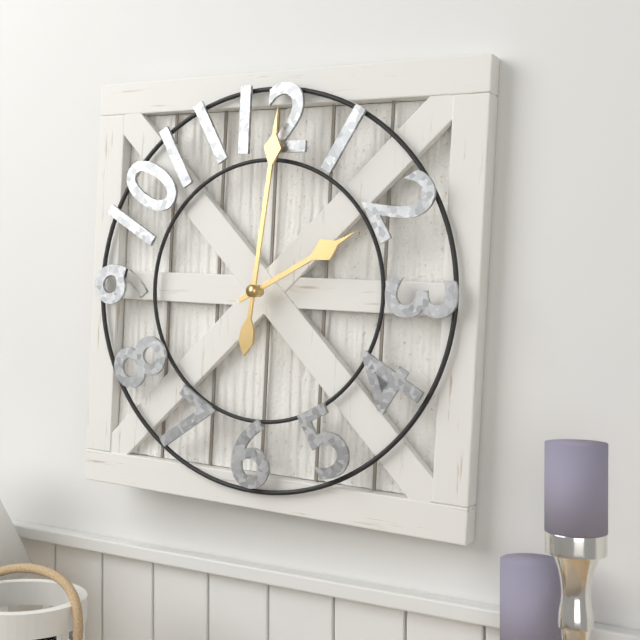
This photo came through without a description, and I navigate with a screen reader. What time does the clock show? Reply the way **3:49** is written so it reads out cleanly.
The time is **2:01**
